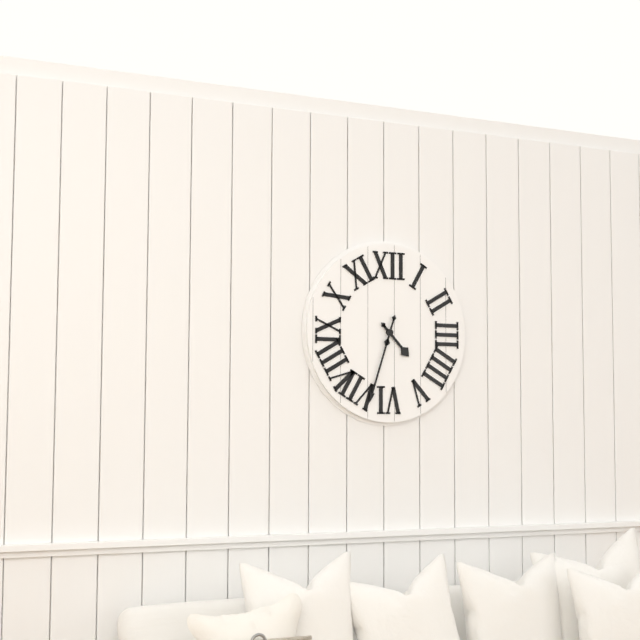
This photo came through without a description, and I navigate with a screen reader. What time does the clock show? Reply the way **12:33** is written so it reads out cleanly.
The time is **4:33**
